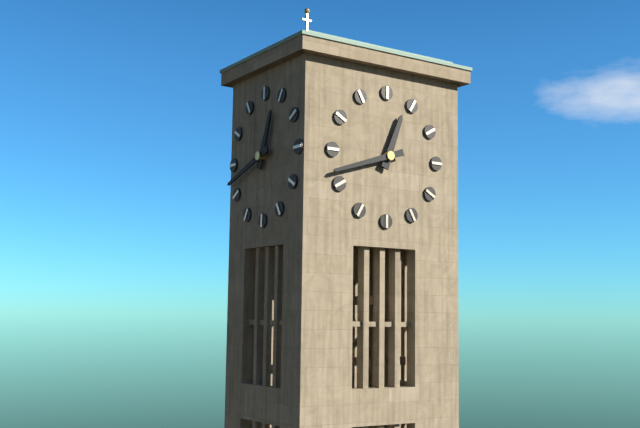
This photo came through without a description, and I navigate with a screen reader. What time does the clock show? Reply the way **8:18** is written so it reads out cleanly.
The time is **12:42**
